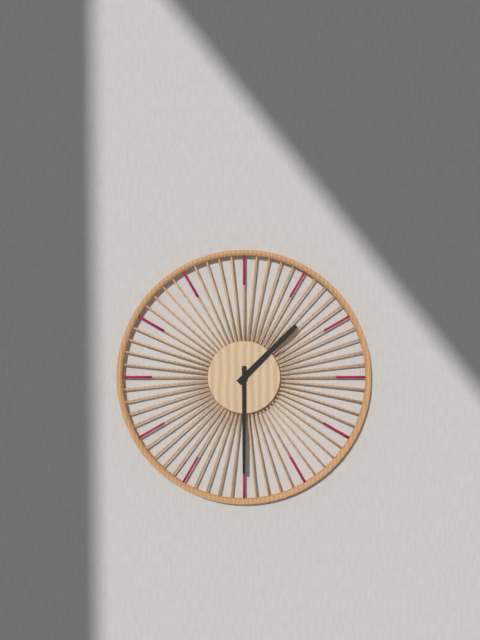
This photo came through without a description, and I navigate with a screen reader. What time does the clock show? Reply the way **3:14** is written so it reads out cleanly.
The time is **1:30**
